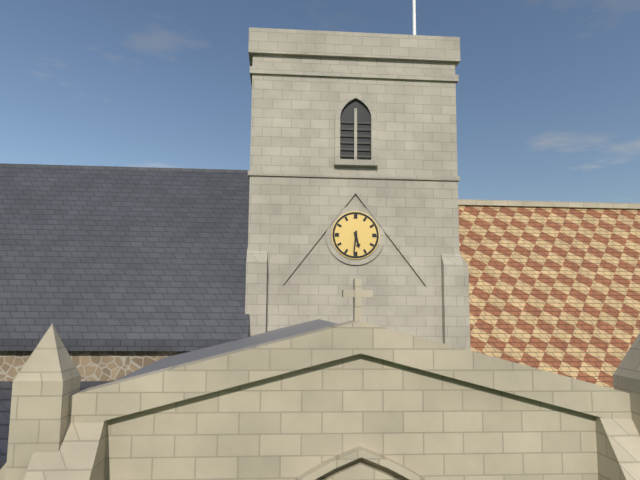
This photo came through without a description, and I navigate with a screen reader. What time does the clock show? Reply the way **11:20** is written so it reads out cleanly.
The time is **5:31**
